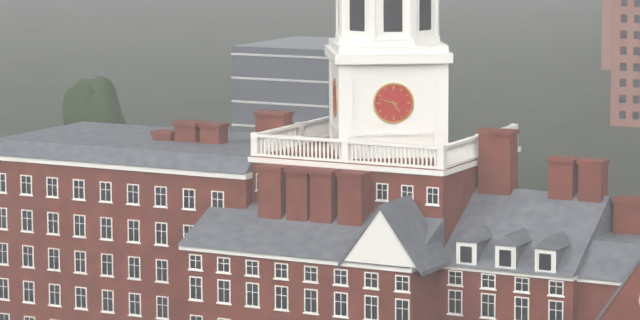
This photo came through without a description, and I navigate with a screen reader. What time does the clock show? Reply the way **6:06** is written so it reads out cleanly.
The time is **4:48**
